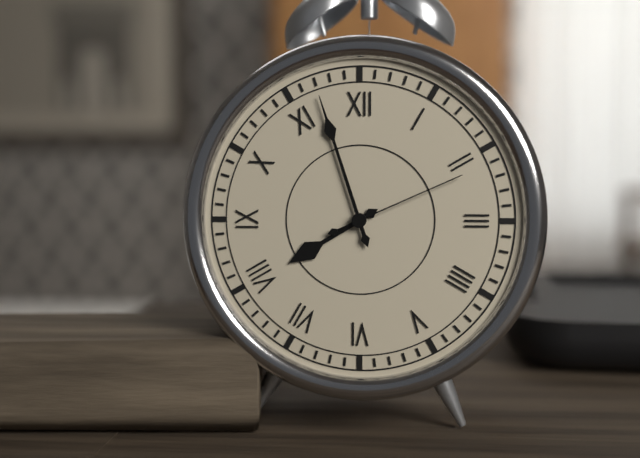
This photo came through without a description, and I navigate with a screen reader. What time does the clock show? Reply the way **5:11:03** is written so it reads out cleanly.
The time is **7:57:11**
